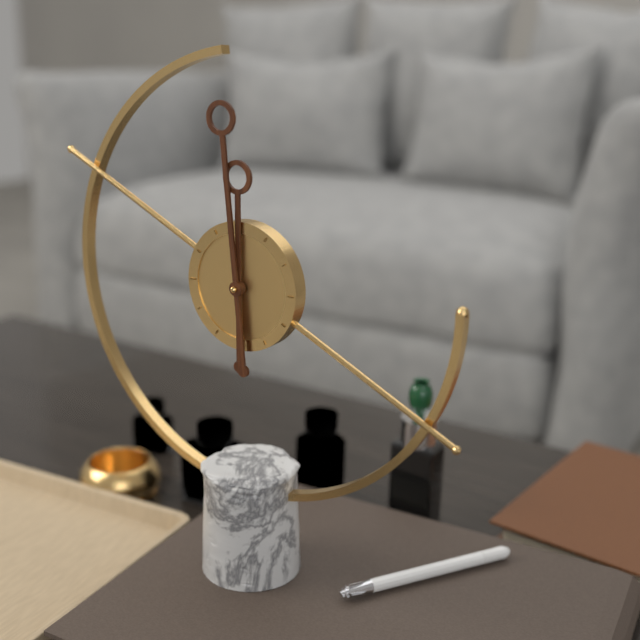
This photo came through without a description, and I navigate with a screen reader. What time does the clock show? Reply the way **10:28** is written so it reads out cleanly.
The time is **11:59**
